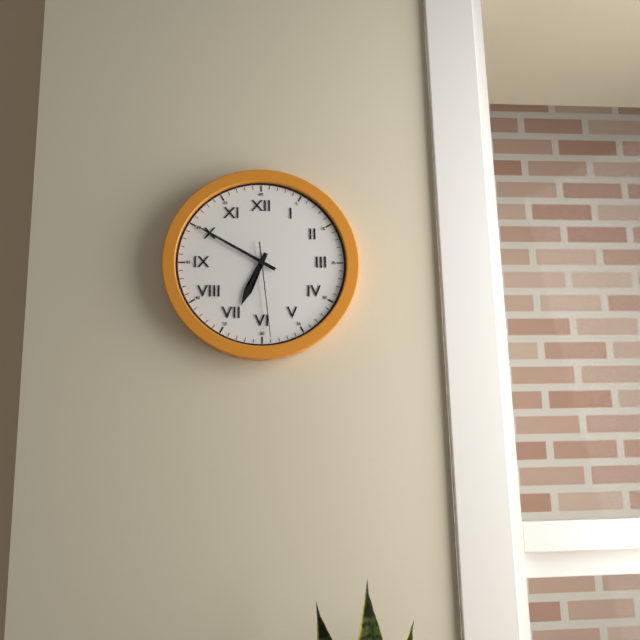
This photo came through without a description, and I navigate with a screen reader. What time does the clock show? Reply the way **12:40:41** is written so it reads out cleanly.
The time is **6:50:29**
